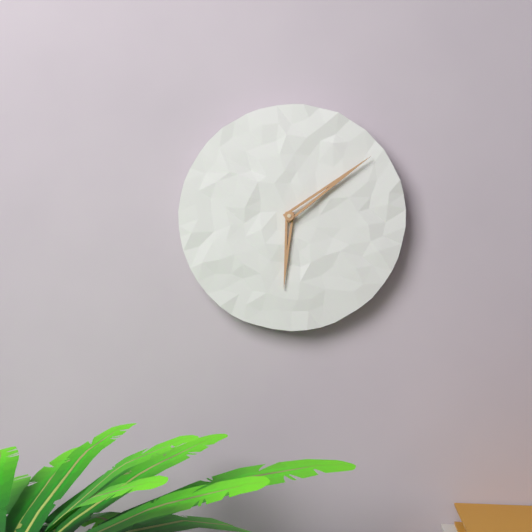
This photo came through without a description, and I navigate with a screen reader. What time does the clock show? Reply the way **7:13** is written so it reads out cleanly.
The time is **6:09**
